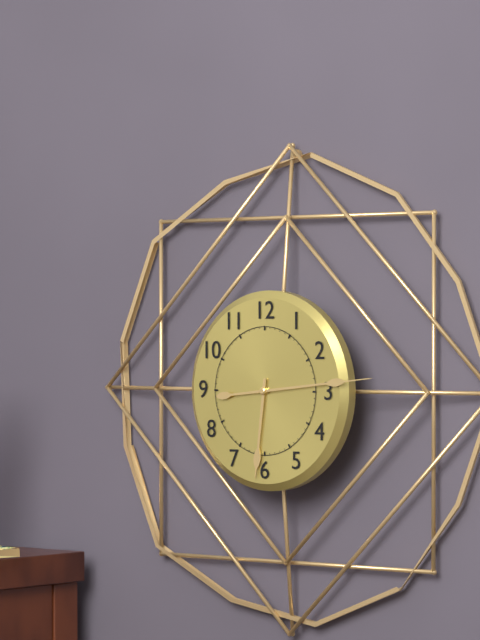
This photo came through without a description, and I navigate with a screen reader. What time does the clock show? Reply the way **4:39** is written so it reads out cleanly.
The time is **6:14**
